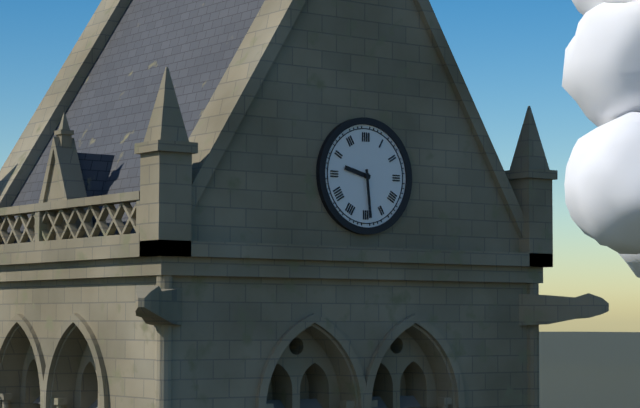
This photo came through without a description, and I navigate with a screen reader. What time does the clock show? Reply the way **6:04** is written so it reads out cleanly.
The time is **9:29**
